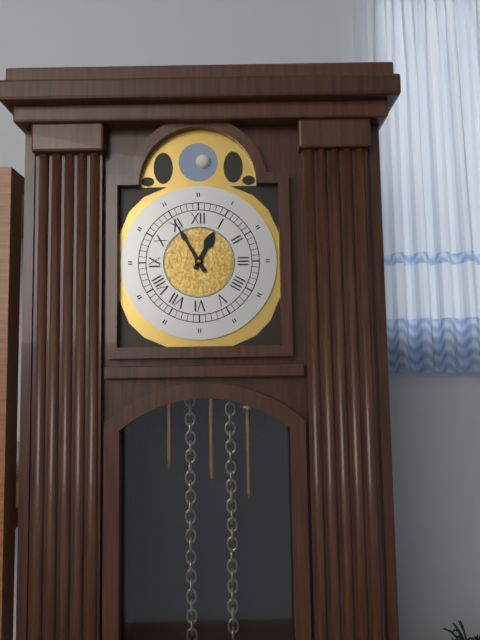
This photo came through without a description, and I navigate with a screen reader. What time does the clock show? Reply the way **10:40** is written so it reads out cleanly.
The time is **12:55**
